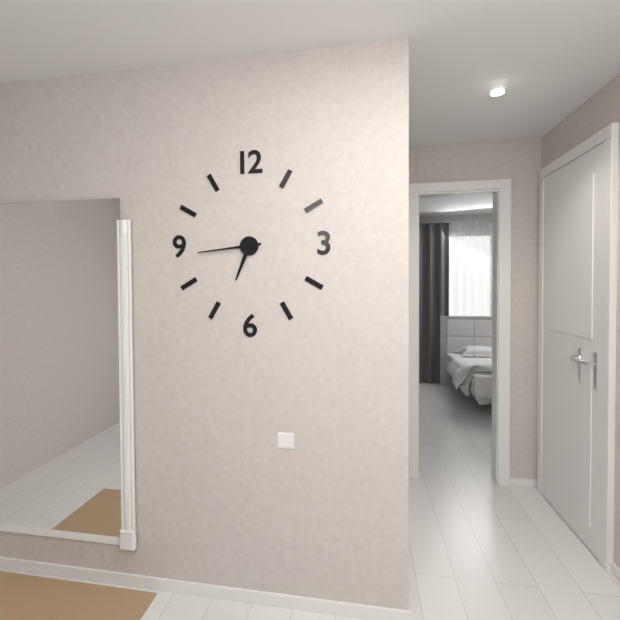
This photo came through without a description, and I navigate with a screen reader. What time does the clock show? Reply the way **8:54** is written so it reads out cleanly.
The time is **6:44**
